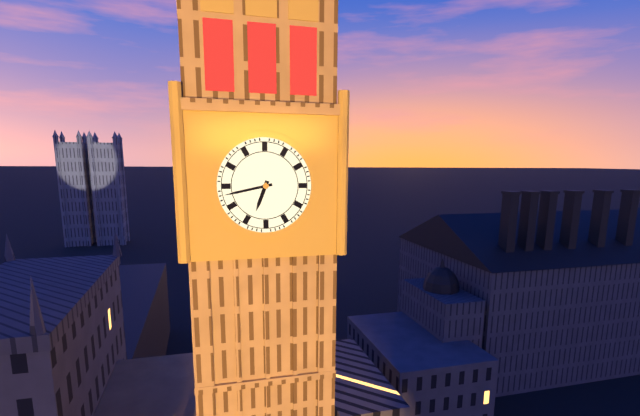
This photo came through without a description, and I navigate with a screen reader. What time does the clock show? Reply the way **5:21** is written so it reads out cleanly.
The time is **6:43**
